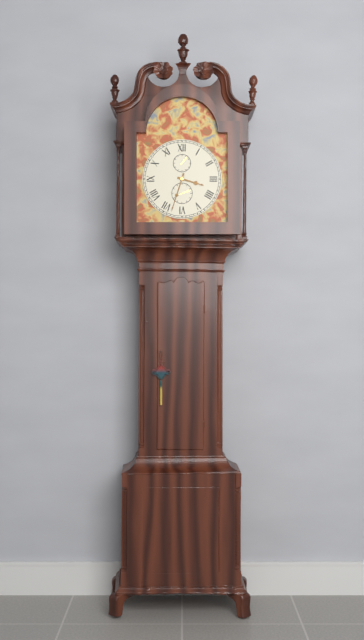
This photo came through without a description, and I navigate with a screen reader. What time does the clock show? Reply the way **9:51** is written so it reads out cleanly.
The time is **3:33**
